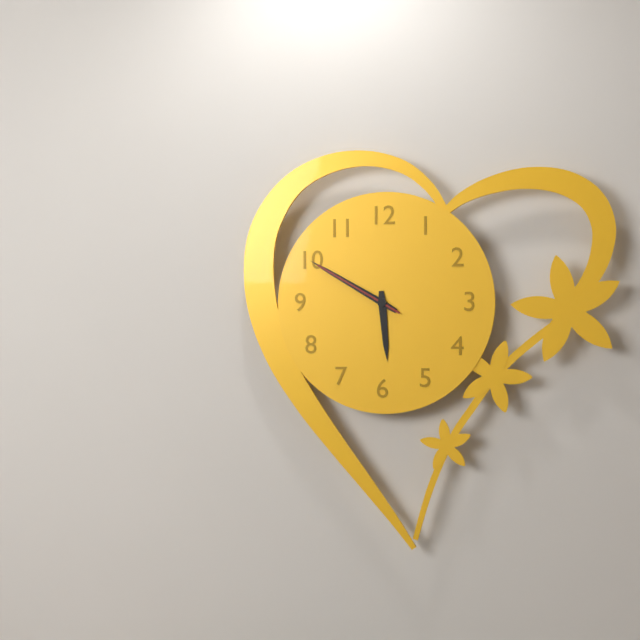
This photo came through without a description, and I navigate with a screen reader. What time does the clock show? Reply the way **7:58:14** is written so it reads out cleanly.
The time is **5:50:50**
